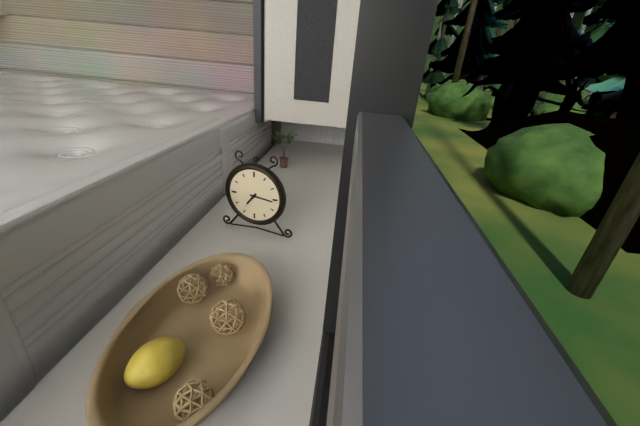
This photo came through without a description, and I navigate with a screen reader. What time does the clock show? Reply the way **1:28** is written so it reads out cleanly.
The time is **7:16**
